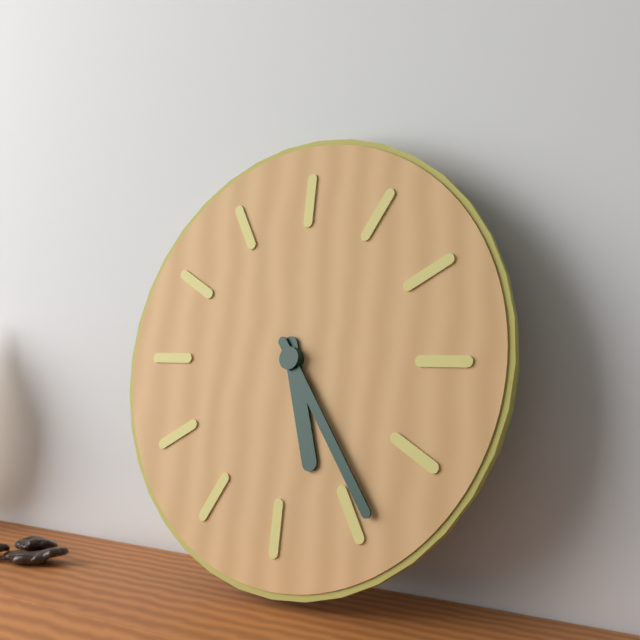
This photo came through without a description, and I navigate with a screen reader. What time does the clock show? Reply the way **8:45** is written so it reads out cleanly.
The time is **5:24**
